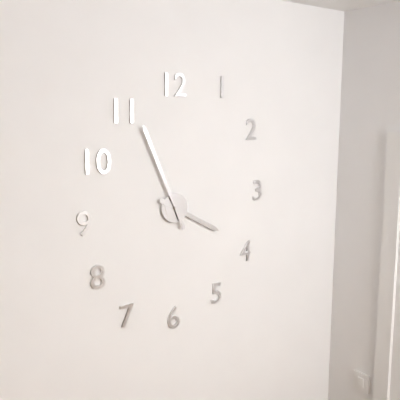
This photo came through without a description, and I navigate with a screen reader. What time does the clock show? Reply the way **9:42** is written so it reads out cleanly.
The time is **3:56**
